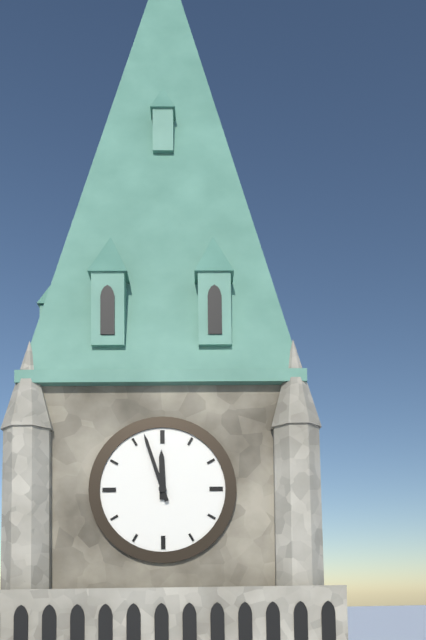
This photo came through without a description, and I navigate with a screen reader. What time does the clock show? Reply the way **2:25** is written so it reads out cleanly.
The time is **11:57**
